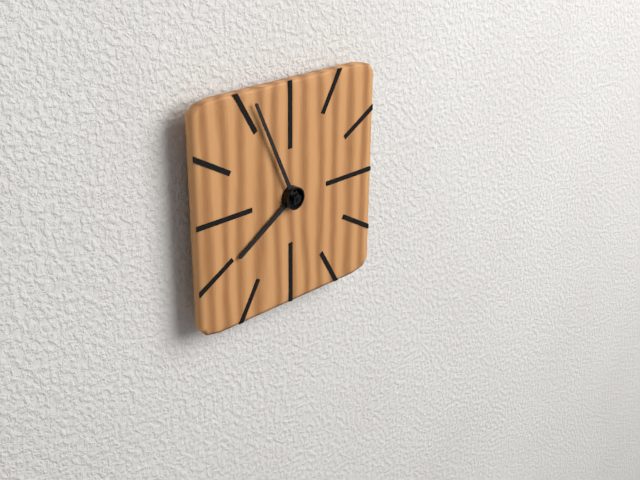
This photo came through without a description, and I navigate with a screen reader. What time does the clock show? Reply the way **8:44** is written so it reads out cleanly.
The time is **7:56**
